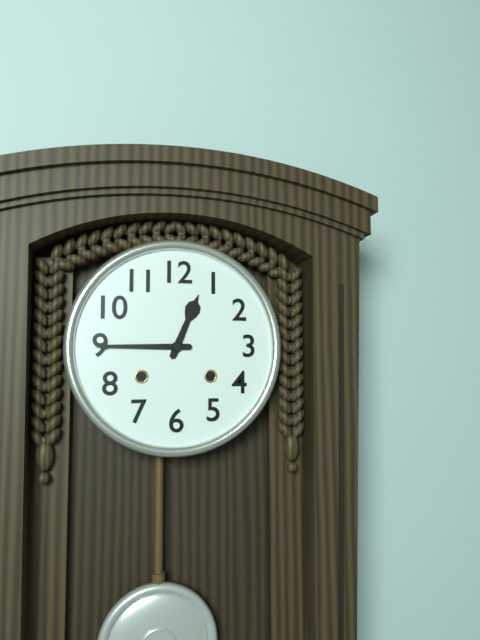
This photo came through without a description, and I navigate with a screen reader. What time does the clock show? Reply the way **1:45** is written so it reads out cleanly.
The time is **12:45**
